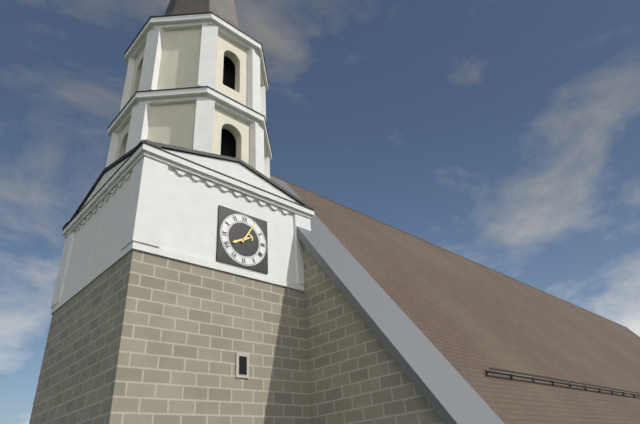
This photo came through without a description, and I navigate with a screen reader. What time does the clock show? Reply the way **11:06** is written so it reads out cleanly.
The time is **8:05**
